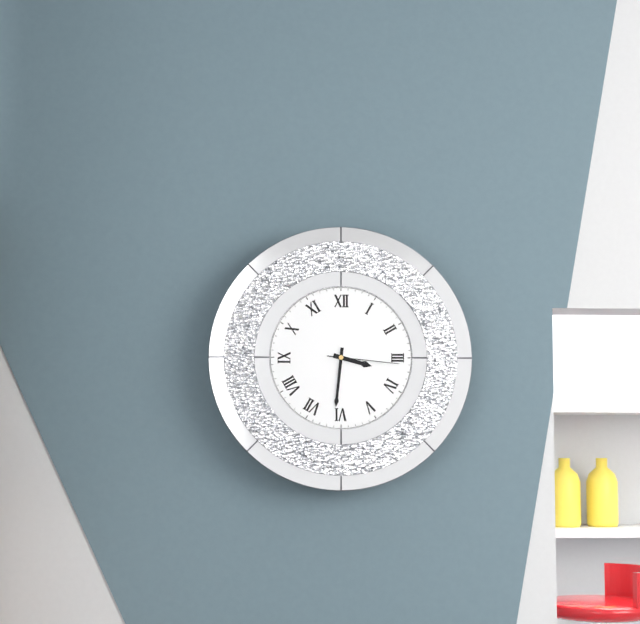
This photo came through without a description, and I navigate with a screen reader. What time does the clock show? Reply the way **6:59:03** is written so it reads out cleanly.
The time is **3:31:16**
